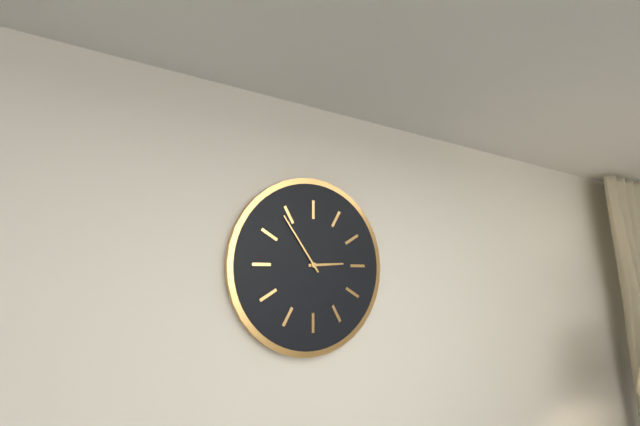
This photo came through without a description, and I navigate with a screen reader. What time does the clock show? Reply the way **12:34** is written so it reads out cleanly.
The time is **2:54**
